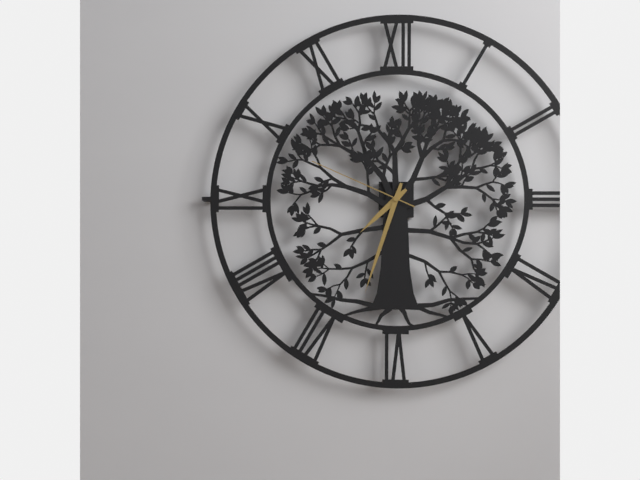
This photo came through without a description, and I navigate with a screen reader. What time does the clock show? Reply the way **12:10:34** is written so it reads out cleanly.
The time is **7:33:49**
